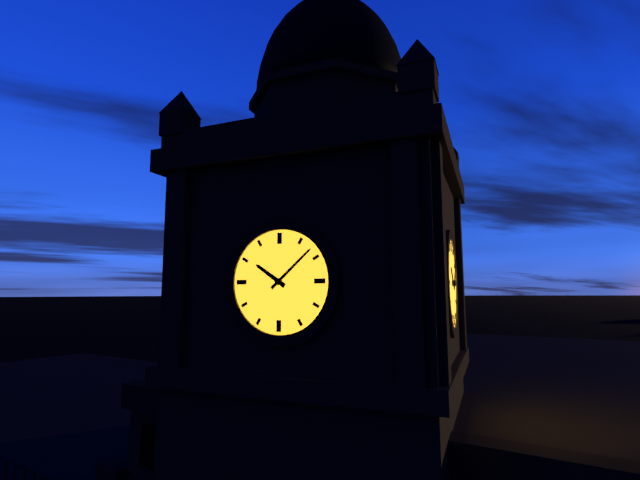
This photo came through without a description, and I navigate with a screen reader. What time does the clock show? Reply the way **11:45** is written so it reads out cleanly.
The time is **10:08**
